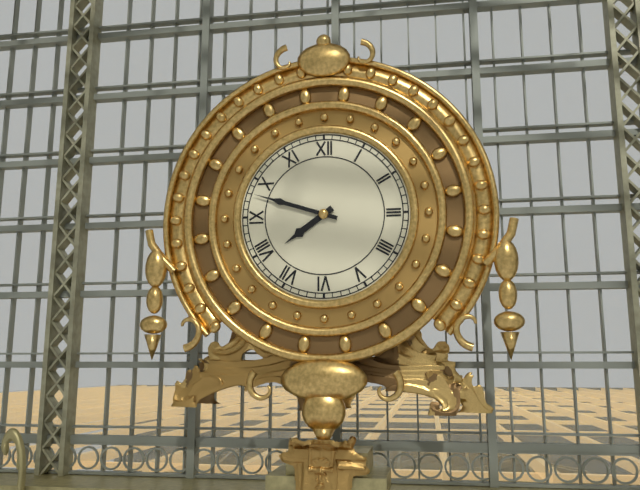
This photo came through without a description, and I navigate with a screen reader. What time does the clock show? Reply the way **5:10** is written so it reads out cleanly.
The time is **7:48**
